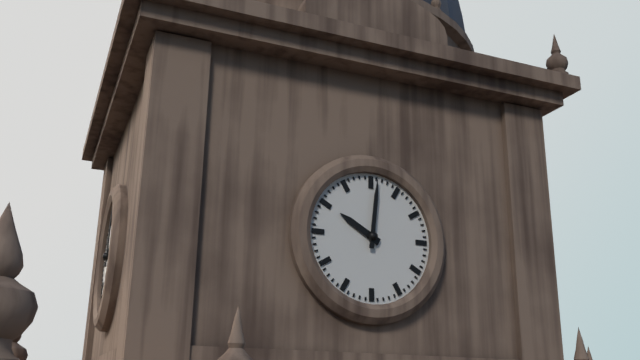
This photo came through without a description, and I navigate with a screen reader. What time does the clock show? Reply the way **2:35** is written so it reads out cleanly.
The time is **10:01**
